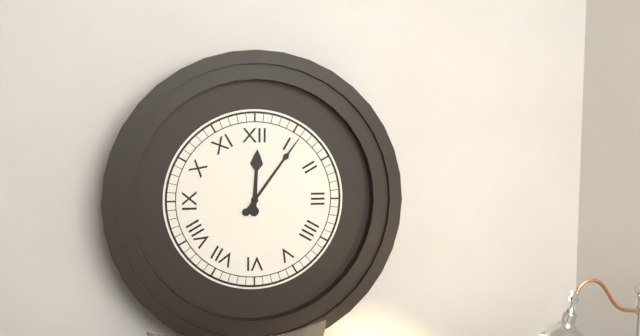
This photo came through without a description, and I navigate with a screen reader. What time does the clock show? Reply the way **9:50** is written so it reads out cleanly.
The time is **12:06**
